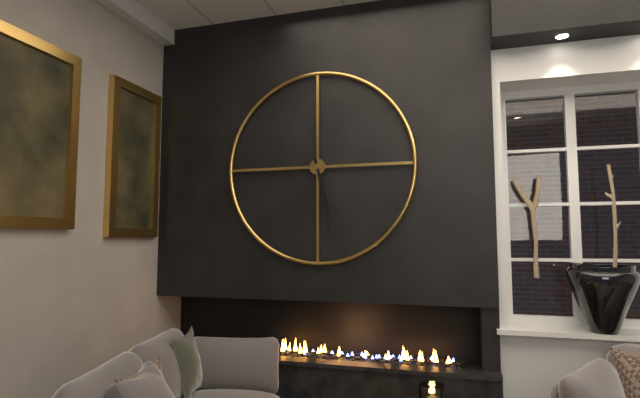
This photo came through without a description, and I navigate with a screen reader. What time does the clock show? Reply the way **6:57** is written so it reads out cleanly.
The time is **5:28**
